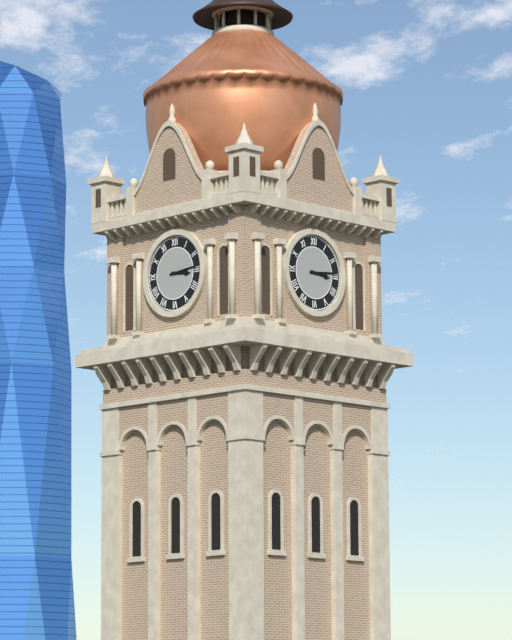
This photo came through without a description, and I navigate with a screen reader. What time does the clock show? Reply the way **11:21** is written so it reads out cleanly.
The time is **3:14**
